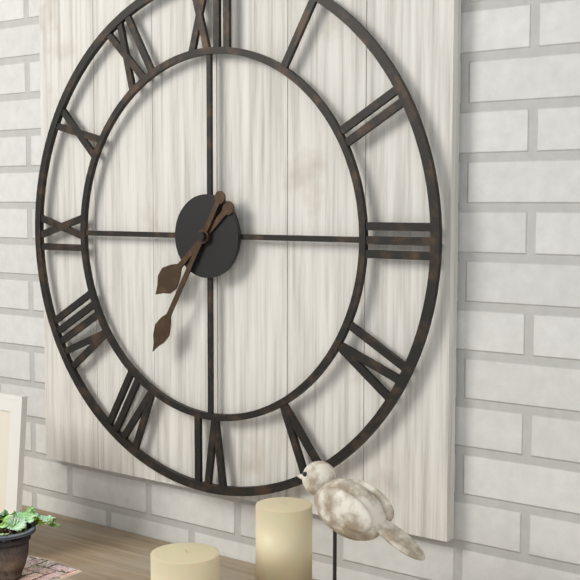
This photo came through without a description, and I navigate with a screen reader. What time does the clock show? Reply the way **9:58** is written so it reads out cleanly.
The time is **7:35**
